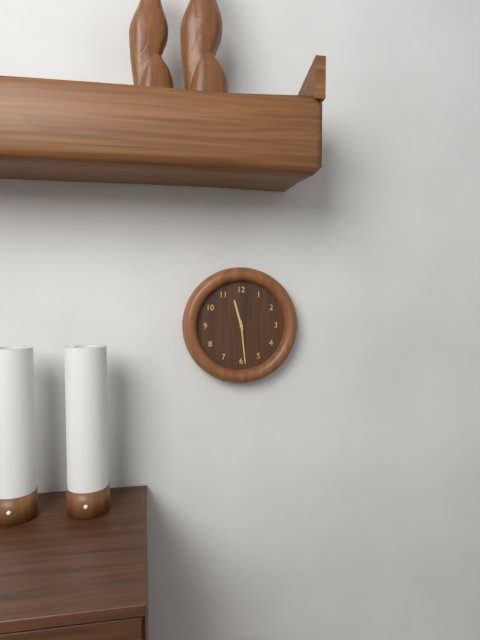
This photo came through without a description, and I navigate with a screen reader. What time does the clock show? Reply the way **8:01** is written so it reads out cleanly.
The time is **11:29**
